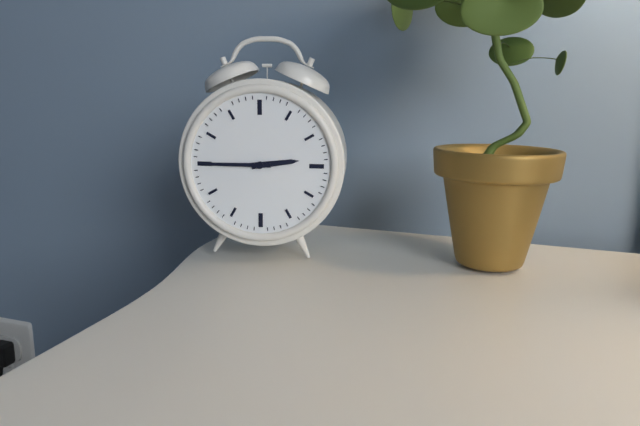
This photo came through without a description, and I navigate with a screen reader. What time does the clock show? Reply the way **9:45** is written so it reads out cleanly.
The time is **2:45**
